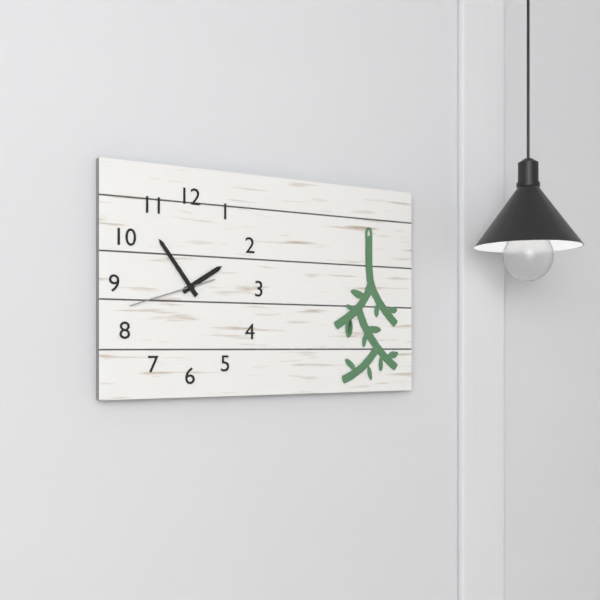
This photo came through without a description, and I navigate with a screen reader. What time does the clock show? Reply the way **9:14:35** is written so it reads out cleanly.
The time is **1:54:42**
